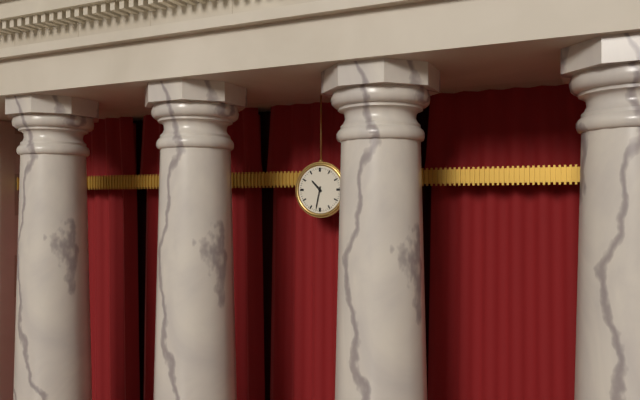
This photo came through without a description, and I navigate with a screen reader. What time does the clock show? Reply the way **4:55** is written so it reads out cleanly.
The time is **10:32**
